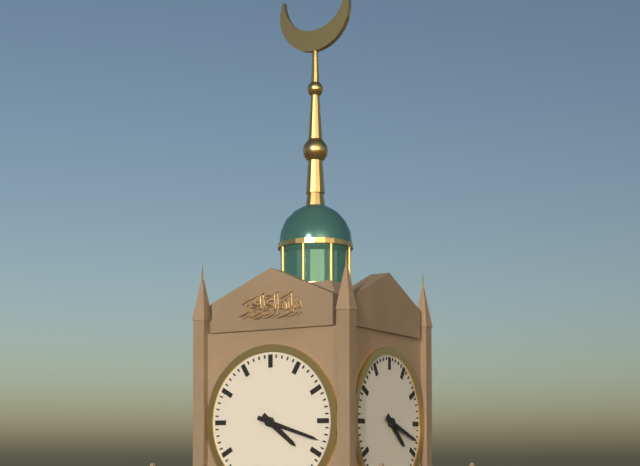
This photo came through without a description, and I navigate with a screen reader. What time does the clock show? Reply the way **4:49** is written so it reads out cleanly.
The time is **4:18**
